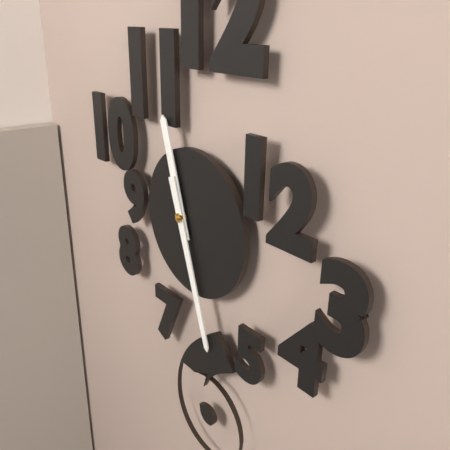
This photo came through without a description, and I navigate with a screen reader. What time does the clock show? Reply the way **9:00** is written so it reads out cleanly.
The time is **11:27**
